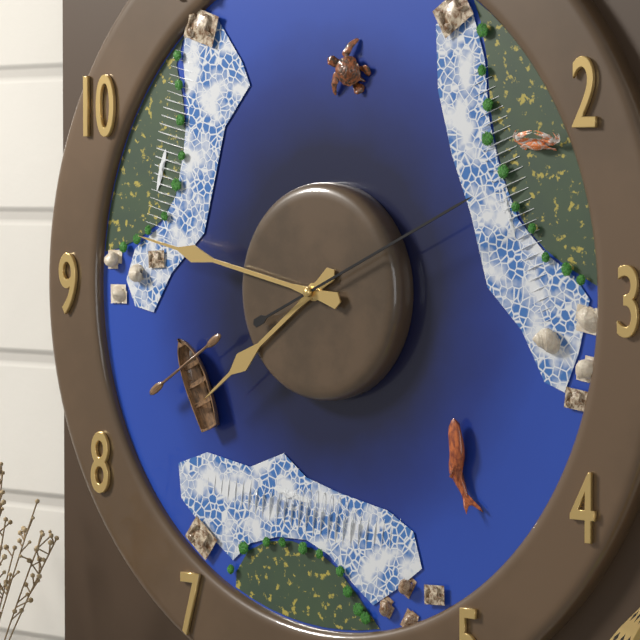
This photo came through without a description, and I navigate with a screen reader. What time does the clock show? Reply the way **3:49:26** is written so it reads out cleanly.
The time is **7:47:11**
